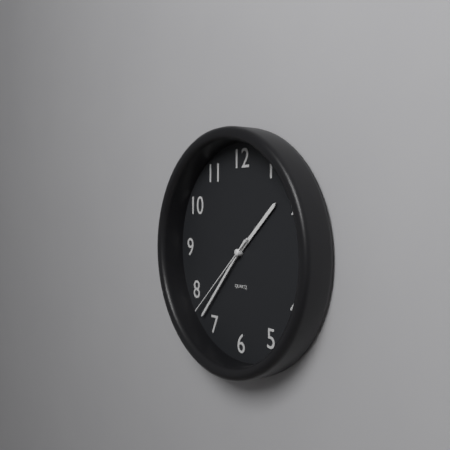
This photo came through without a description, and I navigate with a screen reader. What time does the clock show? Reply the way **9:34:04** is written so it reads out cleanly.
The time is **1:37:38**
